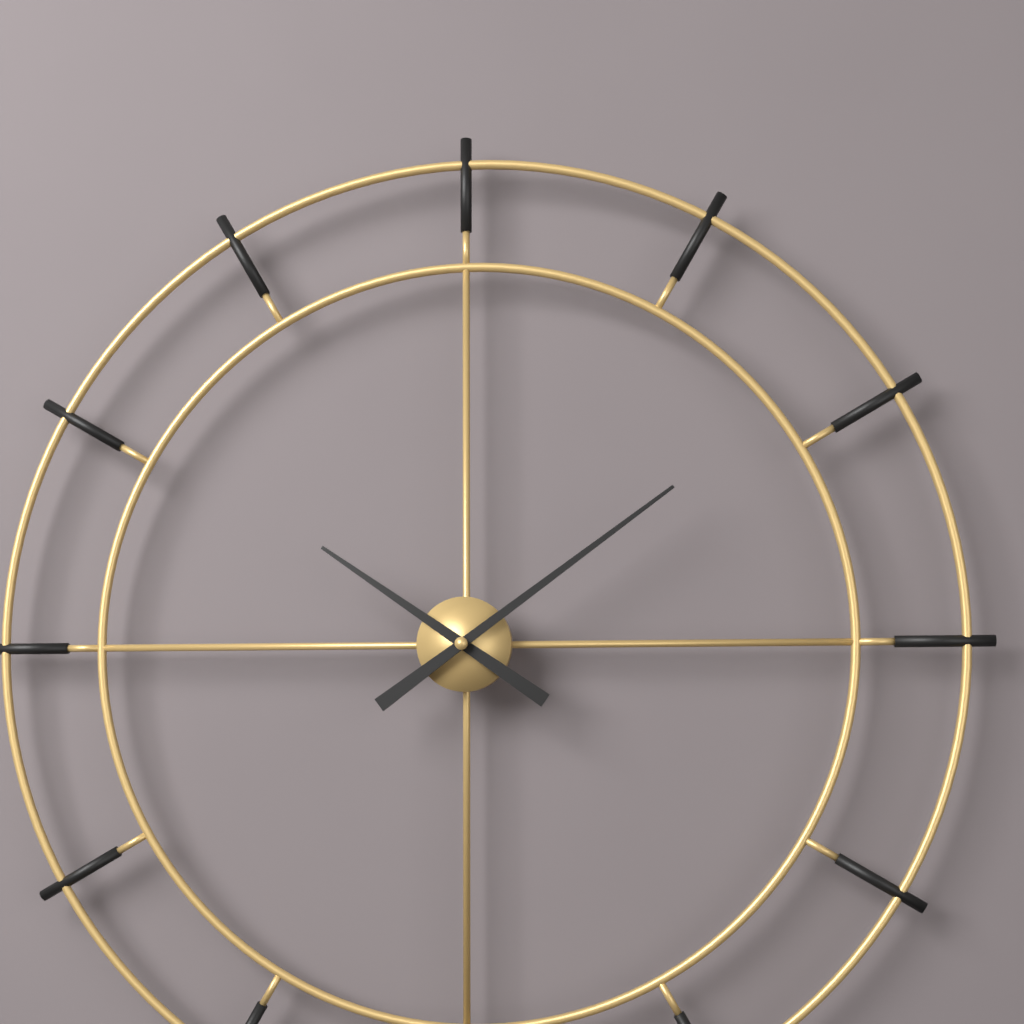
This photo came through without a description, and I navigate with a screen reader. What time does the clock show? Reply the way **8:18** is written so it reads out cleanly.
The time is **10:09**
